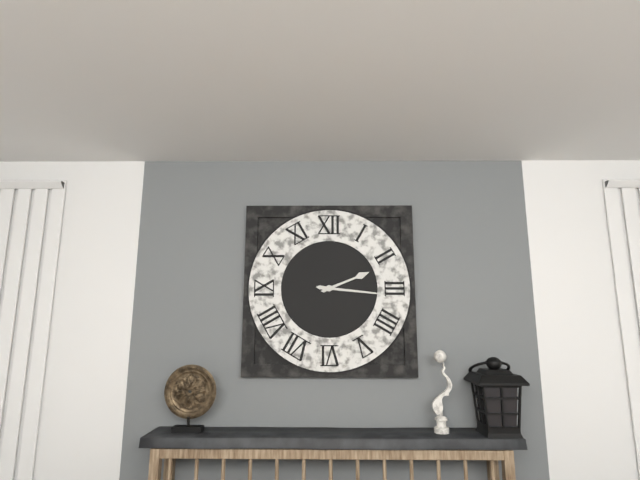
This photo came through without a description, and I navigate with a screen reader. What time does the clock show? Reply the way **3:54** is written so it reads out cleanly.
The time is **2:16**
